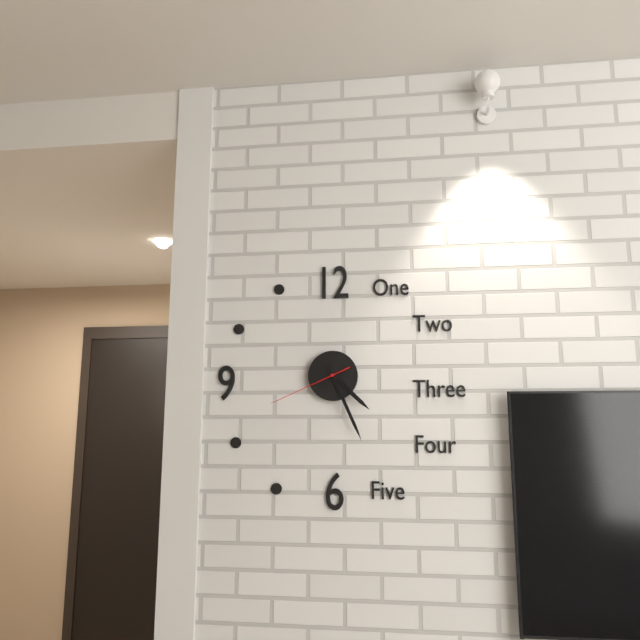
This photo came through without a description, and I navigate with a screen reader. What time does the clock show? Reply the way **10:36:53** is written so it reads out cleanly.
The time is **4:26:41**
